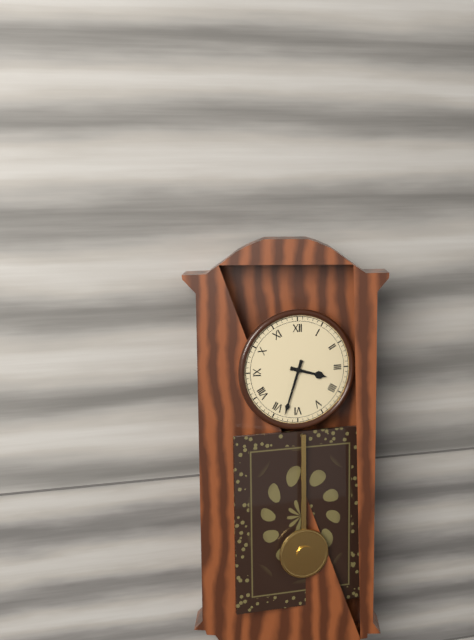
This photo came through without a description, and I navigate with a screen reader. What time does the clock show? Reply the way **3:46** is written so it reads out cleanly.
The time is **3:33**
